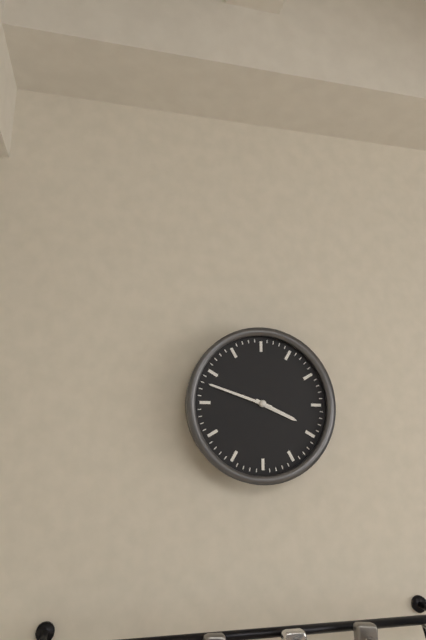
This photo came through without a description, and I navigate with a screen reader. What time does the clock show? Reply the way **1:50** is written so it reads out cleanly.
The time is **3:48**
